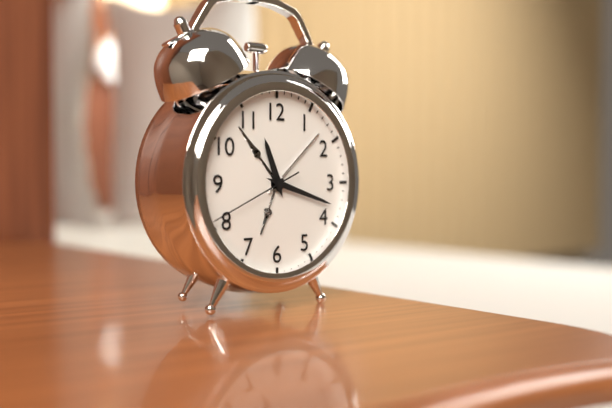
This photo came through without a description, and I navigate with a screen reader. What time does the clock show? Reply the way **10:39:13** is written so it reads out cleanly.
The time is **11:18:41**
